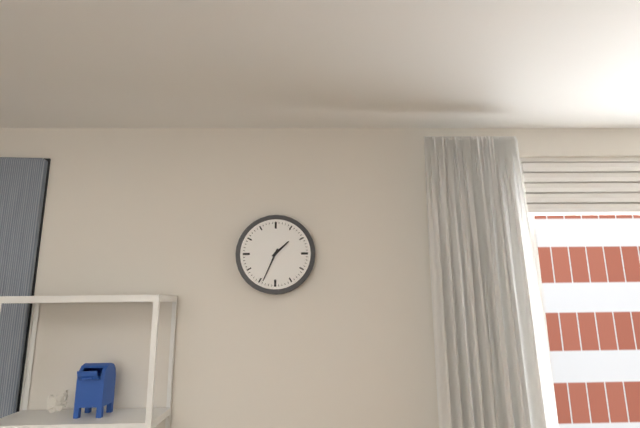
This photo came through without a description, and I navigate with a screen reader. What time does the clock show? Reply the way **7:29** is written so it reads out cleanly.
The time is **1:34**
